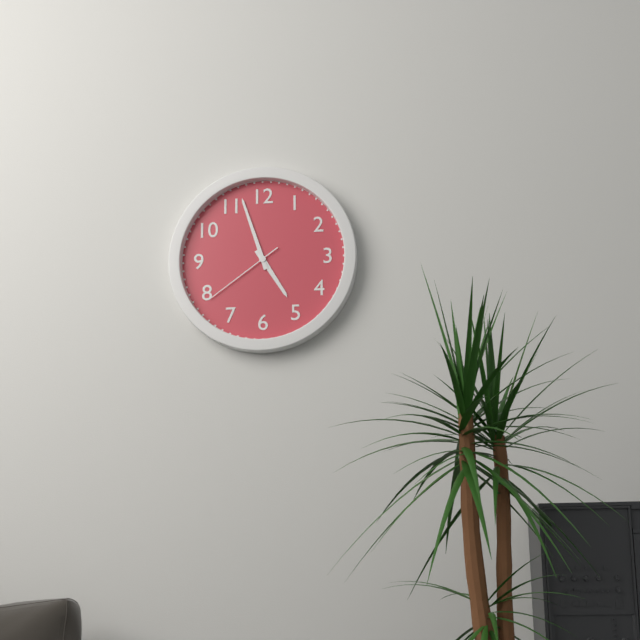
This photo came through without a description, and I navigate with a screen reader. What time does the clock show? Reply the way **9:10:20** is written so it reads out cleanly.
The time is **4:57:39**
